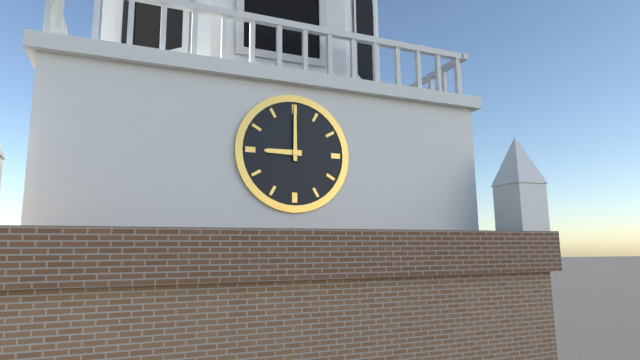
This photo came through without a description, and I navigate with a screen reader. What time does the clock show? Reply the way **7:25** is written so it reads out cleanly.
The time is **9:00**
